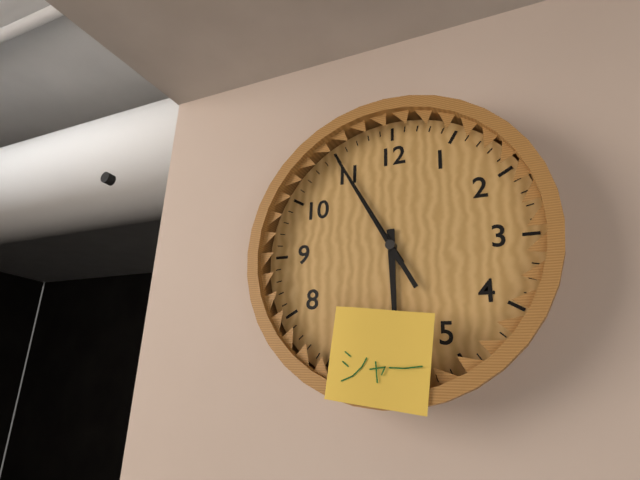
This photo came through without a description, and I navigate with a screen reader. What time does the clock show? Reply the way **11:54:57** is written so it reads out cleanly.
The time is **5:55:55**
